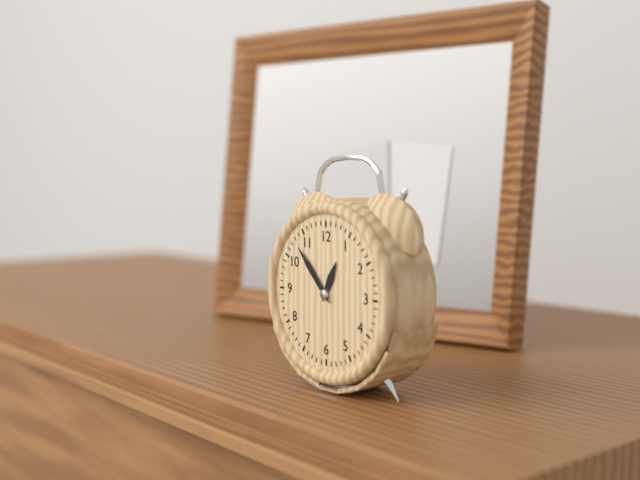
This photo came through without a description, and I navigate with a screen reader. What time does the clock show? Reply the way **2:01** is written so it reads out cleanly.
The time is **12:53**
